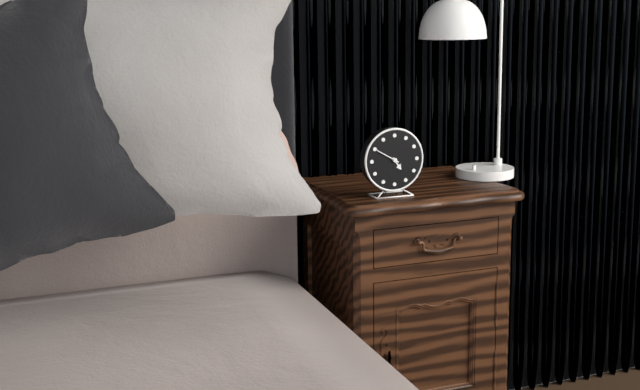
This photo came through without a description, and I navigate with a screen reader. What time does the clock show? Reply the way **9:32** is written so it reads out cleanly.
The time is **4:50**
